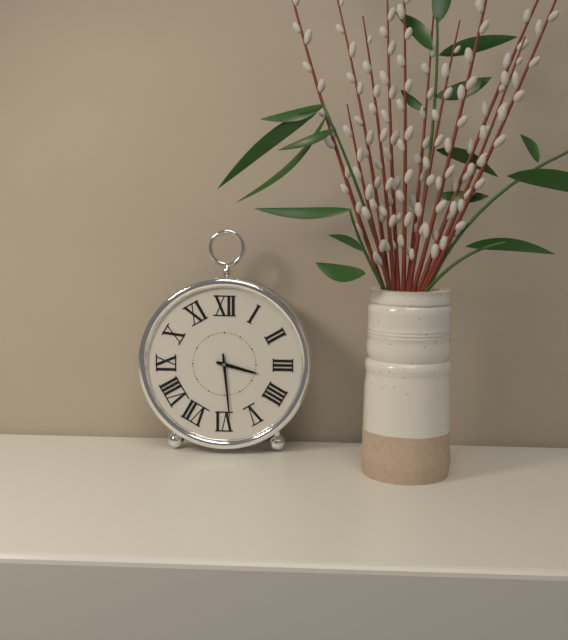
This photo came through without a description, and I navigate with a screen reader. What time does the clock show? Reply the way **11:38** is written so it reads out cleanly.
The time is **3:29**
